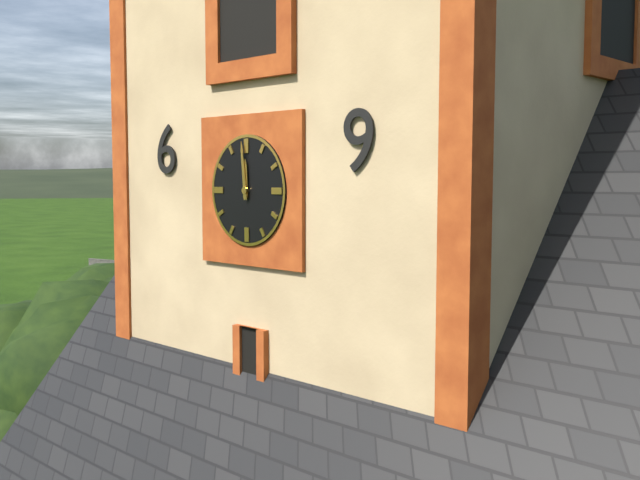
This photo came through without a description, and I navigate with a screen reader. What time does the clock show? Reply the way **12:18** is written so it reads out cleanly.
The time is **11:59**
